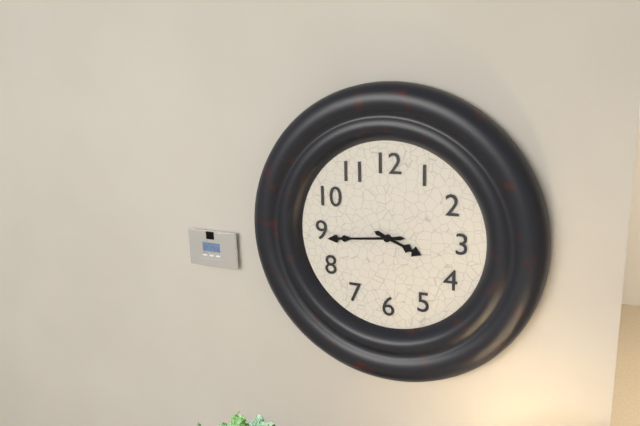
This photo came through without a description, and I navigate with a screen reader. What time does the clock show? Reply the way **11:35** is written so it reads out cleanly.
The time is **3:44**
